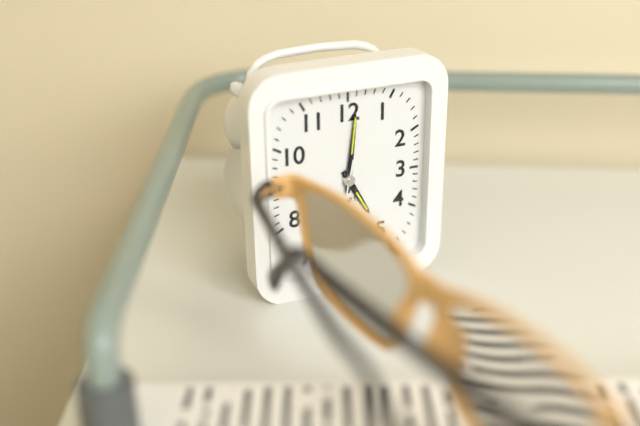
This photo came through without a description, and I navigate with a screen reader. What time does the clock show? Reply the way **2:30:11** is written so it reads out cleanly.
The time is **5:01:32**
